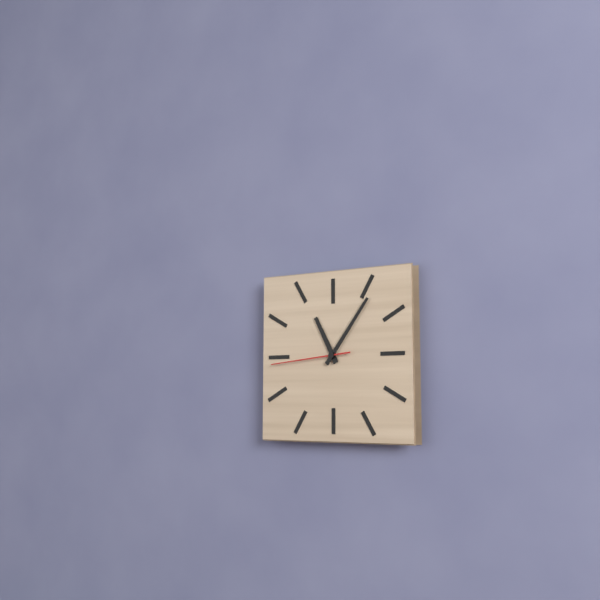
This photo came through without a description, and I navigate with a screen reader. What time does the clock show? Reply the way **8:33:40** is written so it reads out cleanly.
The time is **11:06:44**
